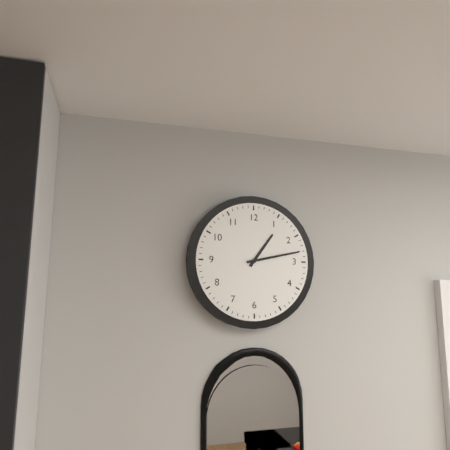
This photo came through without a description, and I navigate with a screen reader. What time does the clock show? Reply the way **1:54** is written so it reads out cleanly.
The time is **1:13**
